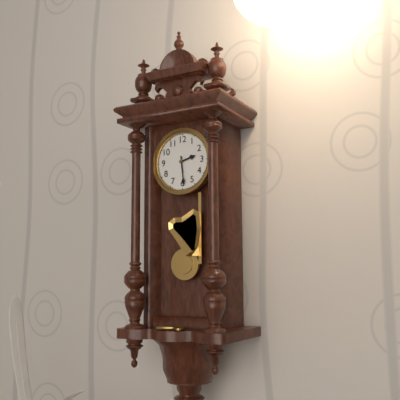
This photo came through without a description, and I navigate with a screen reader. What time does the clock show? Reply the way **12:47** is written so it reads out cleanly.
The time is **2:29**
